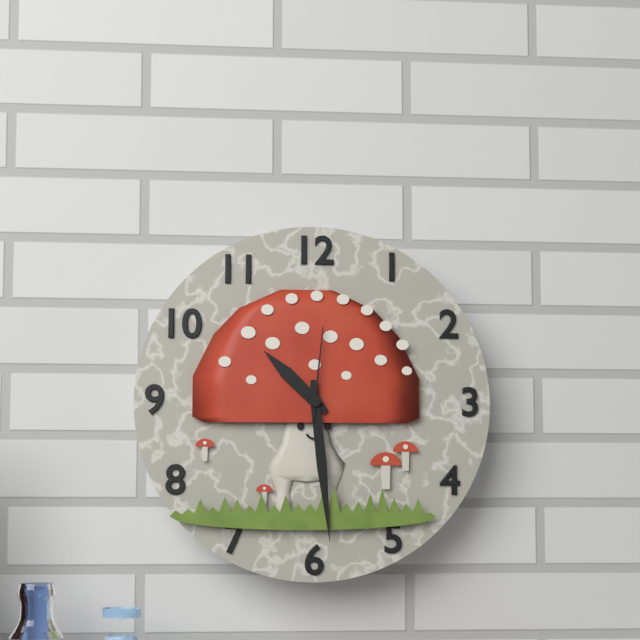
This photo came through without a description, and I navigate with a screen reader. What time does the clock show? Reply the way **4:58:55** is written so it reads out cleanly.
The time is **10:29:01**
